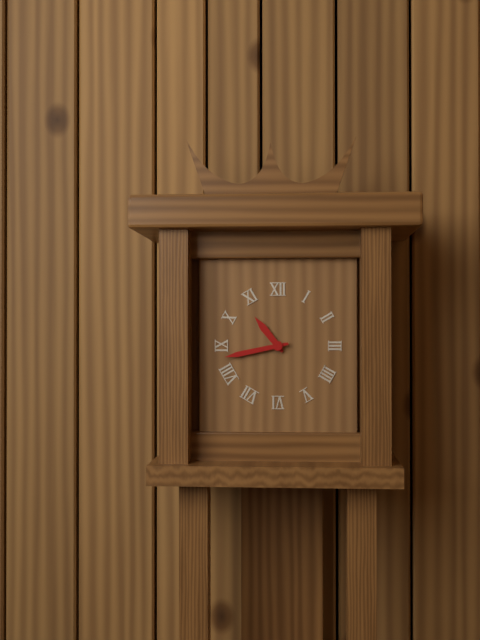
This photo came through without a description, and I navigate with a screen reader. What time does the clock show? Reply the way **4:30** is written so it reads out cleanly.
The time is **10:43**
